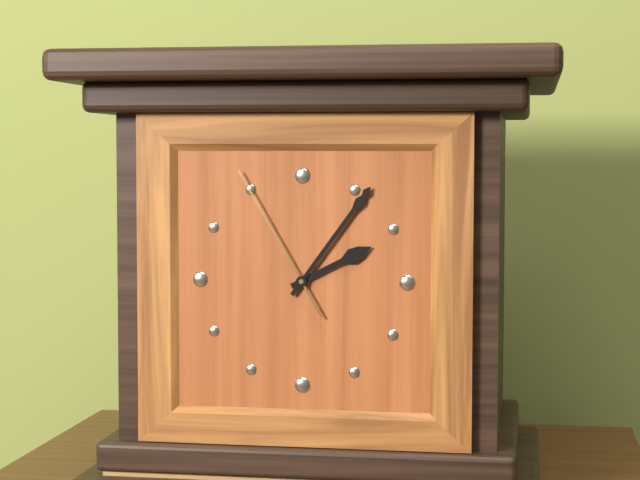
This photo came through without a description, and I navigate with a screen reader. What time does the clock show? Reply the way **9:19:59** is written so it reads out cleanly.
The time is **2:06:55**
